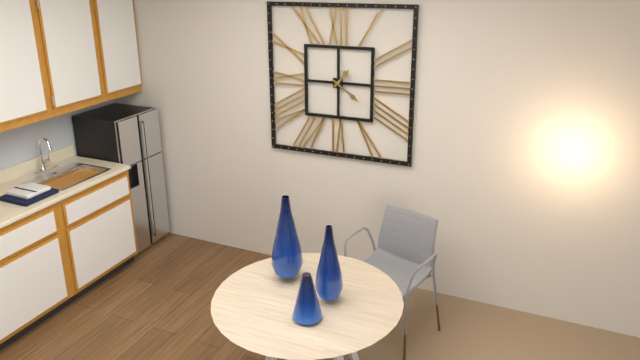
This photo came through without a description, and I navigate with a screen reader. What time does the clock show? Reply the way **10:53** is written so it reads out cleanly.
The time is **1:21**
